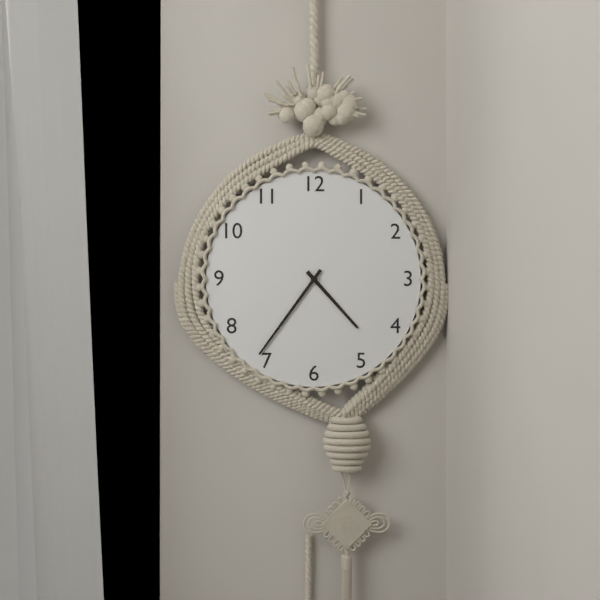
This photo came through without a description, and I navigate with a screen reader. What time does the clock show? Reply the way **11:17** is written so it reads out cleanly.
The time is **4:36**
